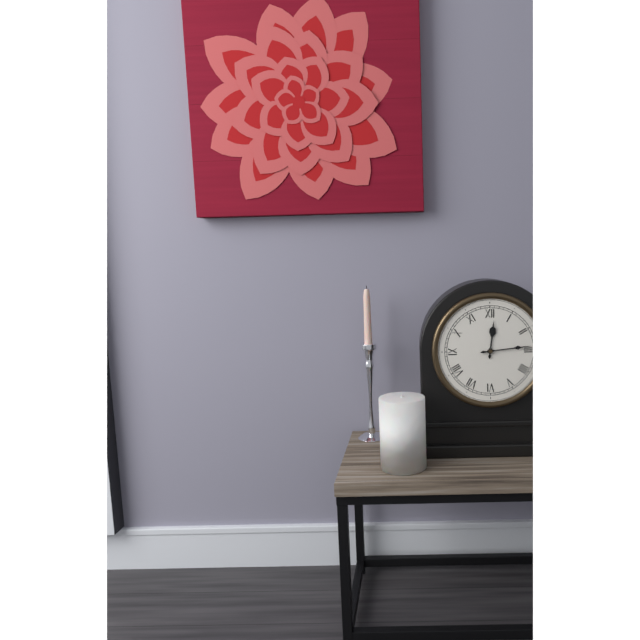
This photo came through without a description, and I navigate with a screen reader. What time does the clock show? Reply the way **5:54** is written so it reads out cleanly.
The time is **12:14**
